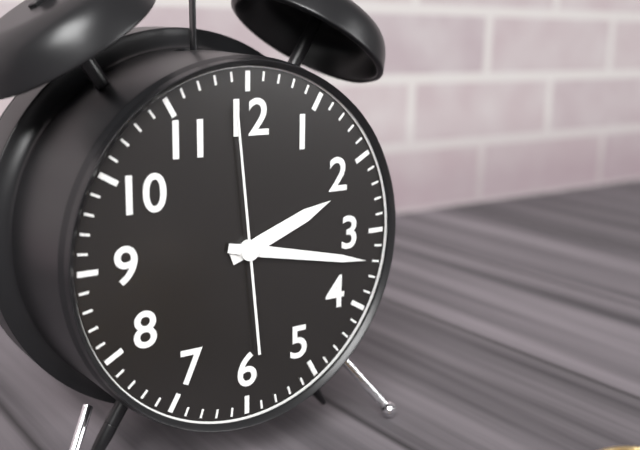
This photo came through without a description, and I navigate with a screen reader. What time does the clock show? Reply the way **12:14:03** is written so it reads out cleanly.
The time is **2:17:59**
